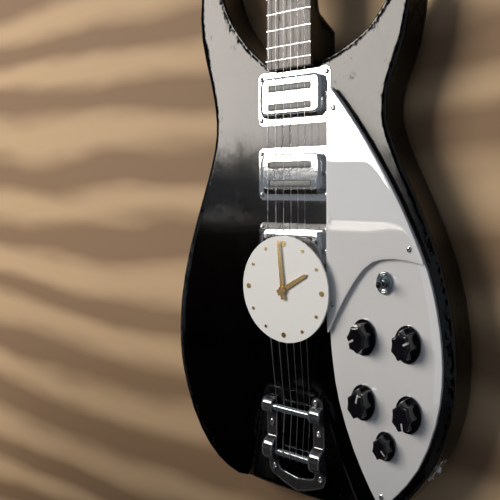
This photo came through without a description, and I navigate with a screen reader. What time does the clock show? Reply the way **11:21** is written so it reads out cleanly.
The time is **1:59**
